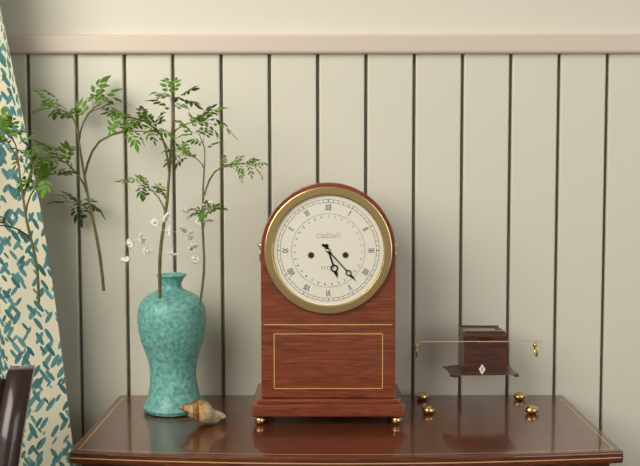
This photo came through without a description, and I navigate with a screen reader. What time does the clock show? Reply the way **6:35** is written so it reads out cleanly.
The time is **5:23**
